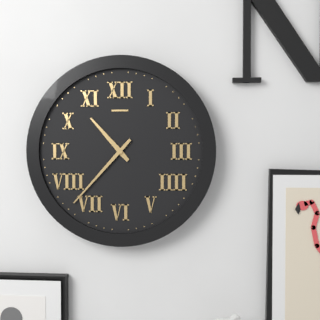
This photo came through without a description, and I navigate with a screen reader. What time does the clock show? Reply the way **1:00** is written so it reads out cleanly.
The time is **10:37**
